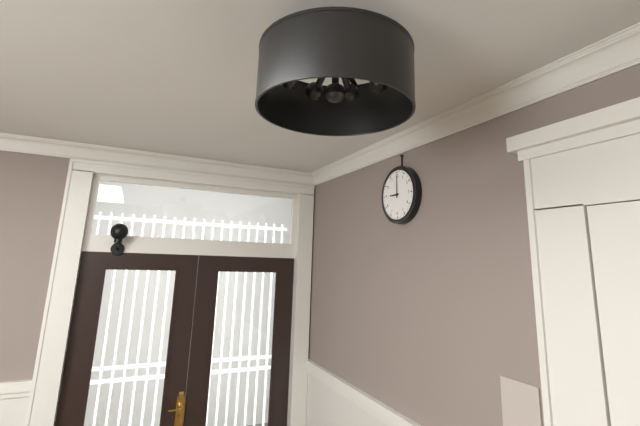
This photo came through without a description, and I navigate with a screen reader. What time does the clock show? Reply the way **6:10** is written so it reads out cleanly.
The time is **9:00**
